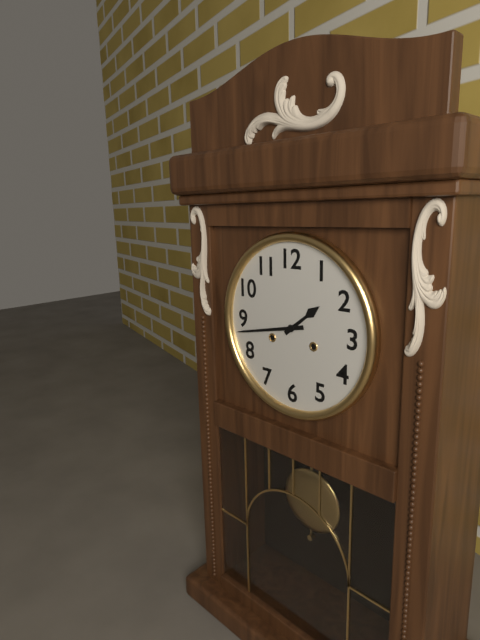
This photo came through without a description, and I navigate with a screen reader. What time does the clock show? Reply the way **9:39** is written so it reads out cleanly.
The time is **1:43**
